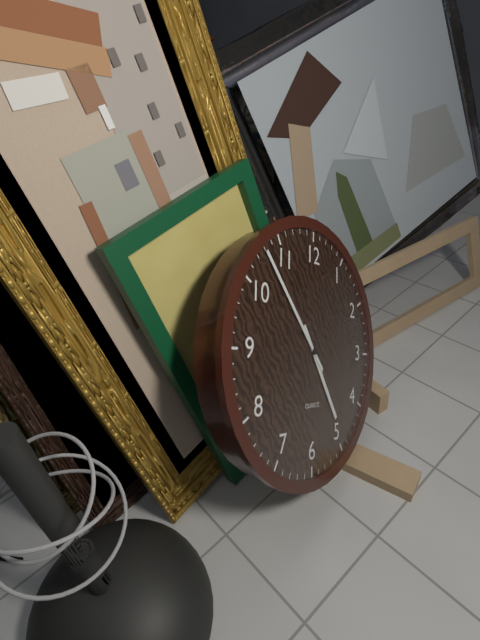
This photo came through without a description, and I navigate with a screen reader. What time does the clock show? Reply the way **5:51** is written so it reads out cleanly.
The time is **4:53**
